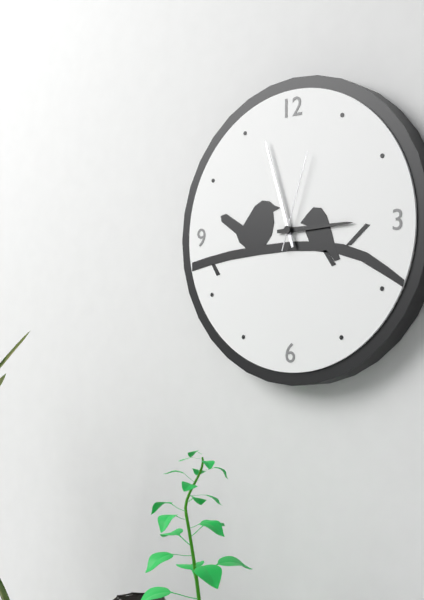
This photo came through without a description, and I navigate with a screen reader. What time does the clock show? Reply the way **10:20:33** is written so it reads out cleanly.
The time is **2:57:03**
